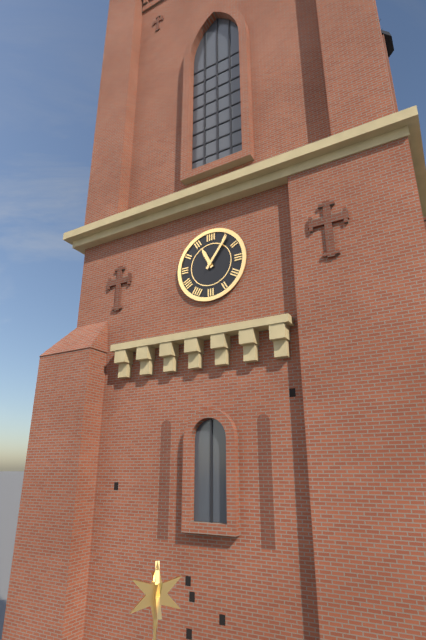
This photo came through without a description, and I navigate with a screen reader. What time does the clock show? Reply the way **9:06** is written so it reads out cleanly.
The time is **11:06**
